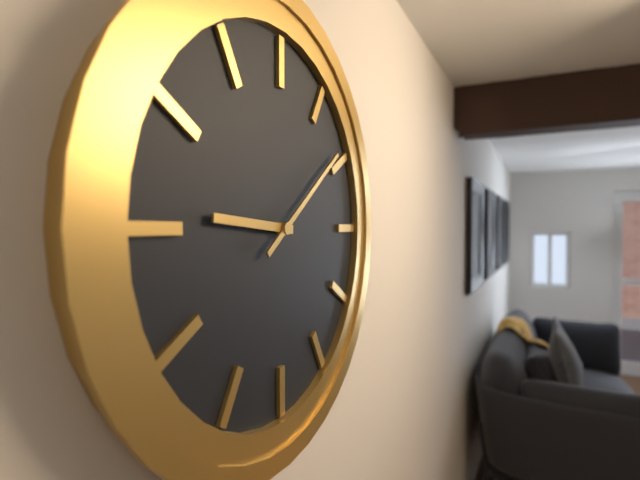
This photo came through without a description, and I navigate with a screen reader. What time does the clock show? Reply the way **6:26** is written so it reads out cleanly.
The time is **9:09**
